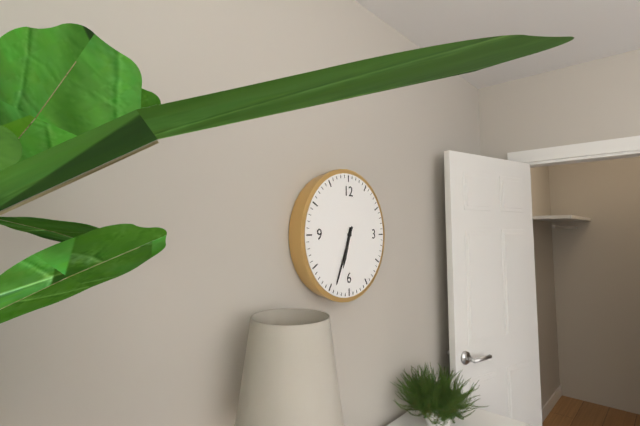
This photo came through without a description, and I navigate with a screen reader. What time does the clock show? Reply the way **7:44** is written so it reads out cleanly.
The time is **6:34**
